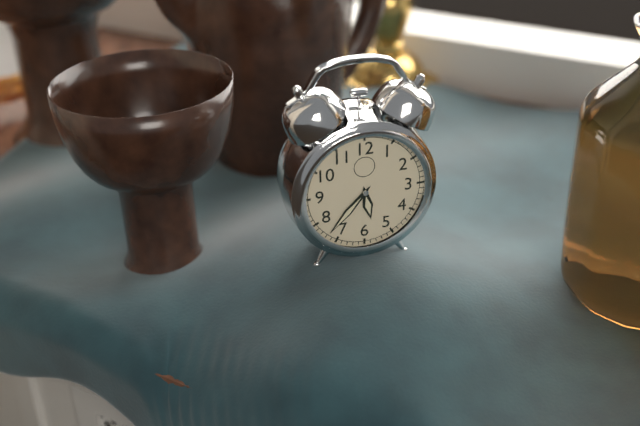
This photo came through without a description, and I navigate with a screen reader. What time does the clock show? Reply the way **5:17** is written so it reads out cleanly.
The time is **5:37**
